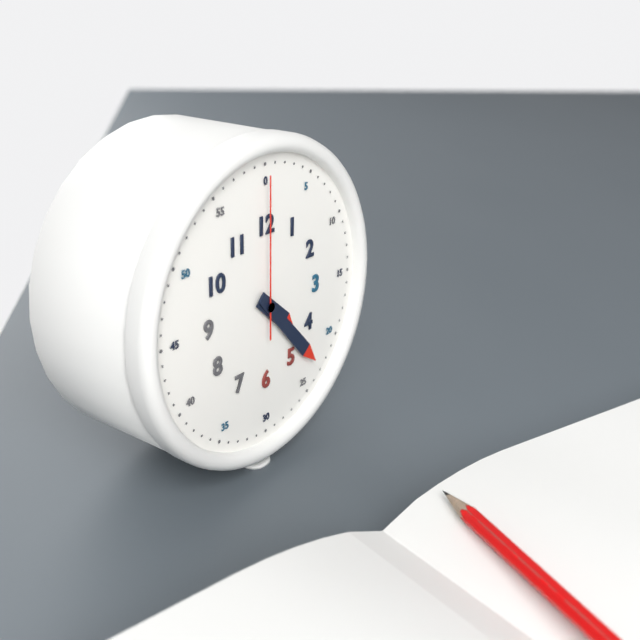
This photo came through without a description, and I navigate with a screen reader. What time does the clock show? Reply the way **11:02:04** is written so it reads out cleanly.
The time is **4:23:00**
